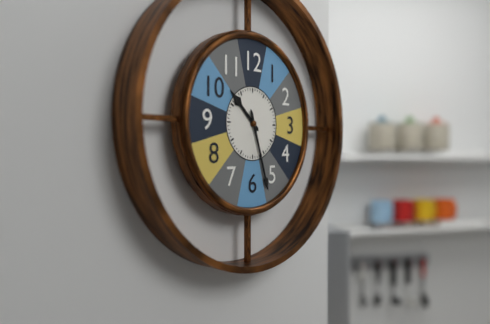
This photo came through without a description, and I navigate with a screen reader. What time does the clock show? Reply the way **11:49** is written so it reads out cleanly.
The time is **10:27**
